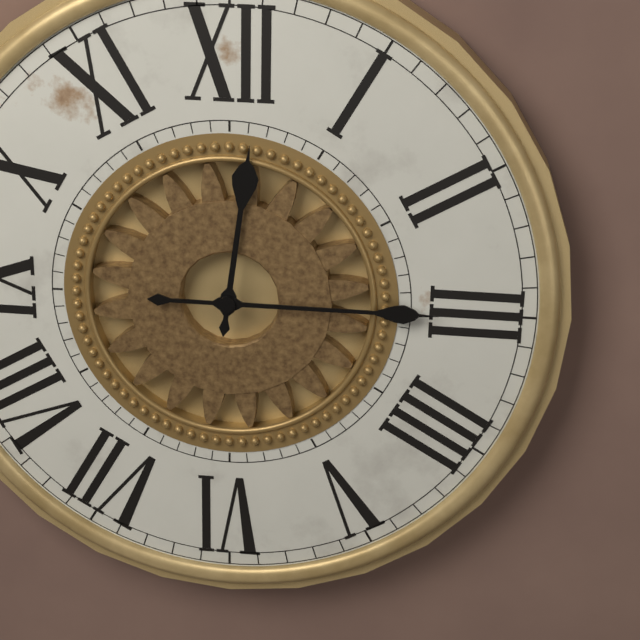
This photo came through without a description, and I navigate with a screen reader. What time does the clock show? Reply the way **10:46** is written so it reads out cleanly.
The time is **12:15**
